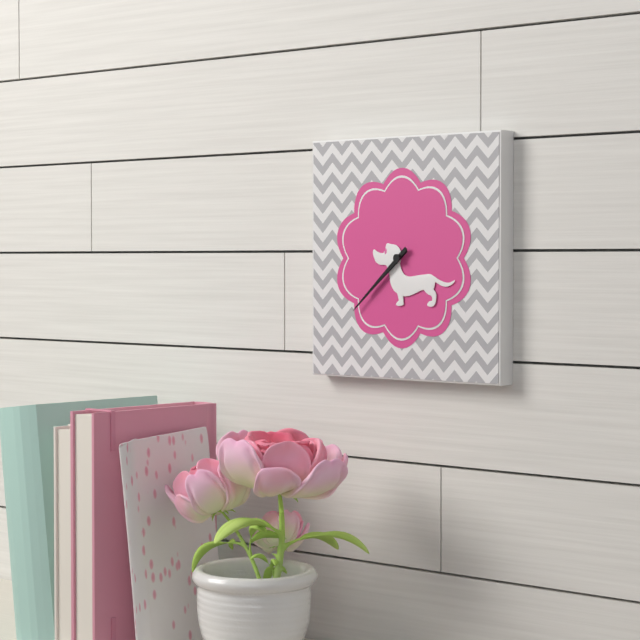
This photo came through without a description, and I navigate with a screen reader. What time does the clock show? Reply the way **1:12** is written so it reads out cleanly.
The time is **7:38**
